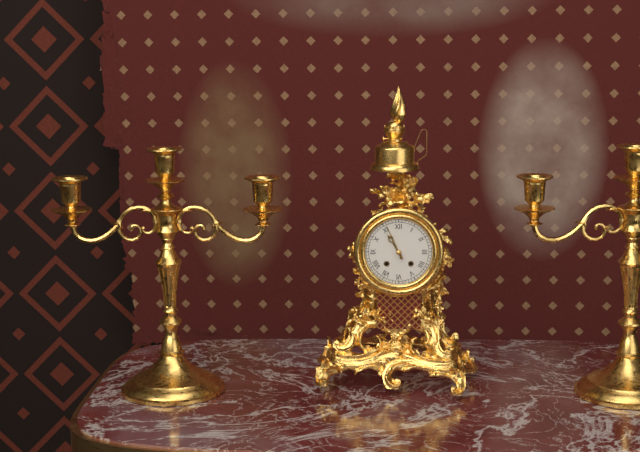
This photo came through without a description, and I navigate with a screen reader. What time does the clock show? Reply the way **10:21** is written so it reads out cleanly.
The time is **10:56**
